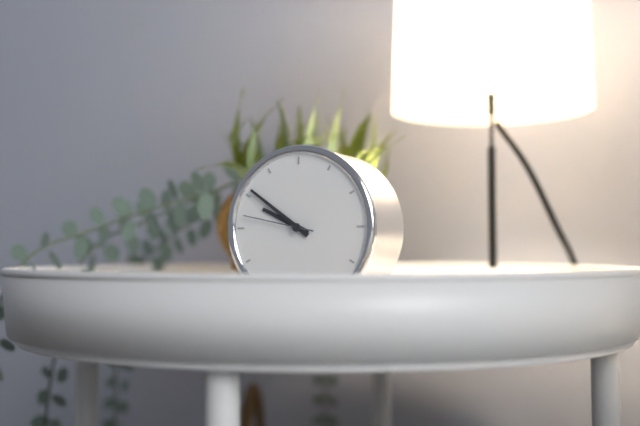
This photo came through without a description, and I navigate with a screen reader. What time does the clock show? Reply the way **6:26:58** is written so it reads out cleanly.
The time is **9:51:47**
